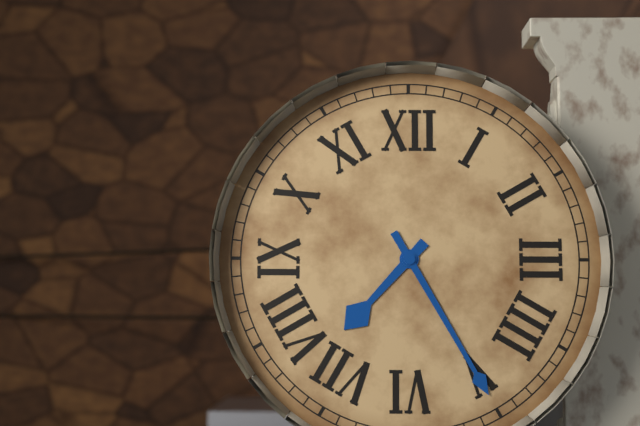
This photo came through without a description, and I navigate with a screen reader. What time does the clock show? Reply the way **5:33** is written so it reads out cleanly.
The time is **7:25**
